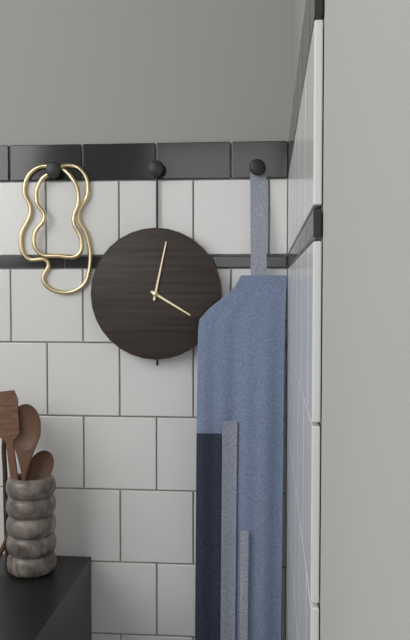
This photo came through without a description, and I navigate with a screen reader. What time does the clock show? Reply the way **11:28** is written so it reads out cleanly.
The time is **4:02**
